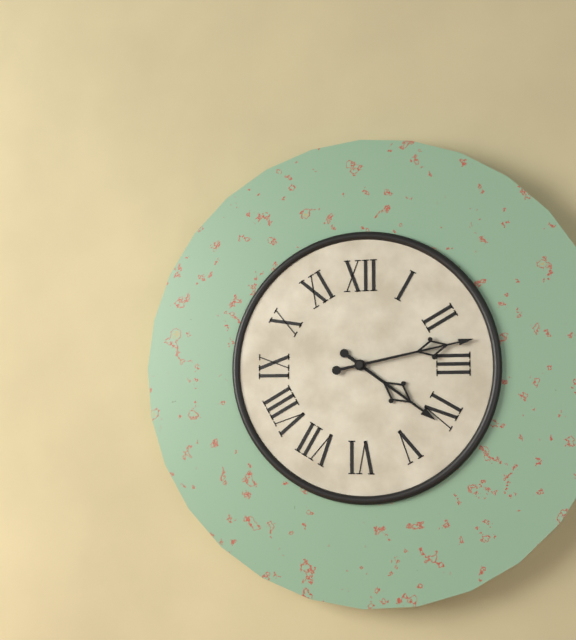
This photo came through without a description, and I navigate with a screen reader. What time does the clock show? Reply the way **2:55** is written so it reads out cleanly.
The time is **4:13**
